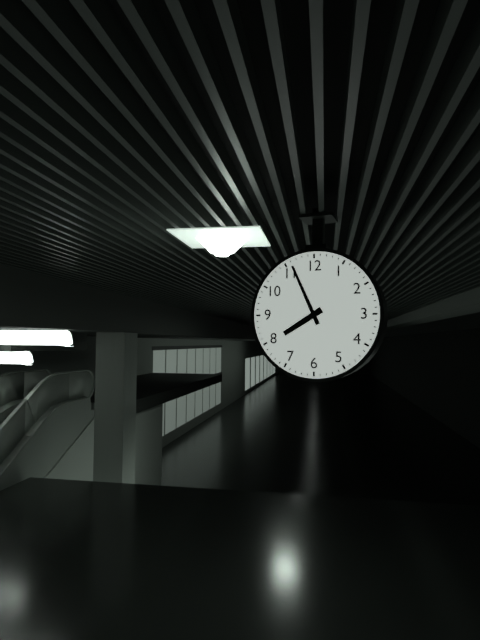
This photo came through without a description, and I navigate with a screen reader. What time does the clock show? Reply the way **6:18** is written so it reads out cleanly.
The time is **7:56**
